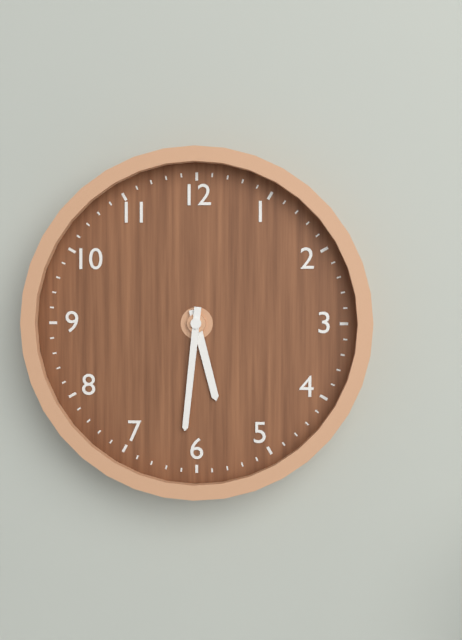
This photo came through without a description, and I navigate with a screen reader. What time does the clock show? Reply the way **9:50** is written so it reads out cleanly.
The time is **5:31**
